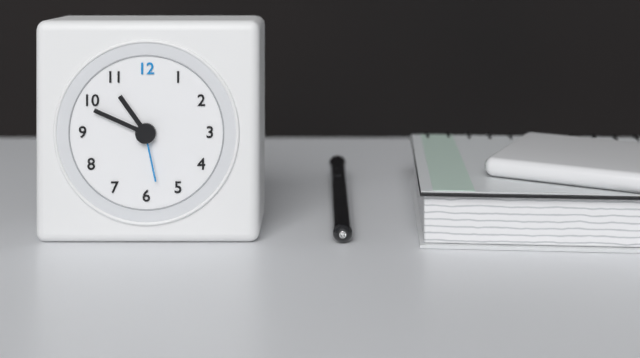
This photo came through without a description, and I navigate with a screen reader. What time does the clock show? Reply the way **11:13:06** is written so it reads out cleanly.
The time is **10:49:28**
